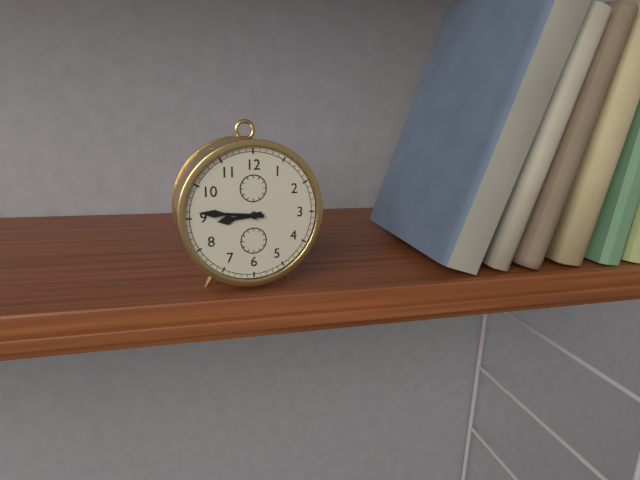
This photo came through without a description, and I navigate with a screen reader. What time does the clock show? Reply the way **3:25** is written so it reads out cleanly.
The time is **8:46**
